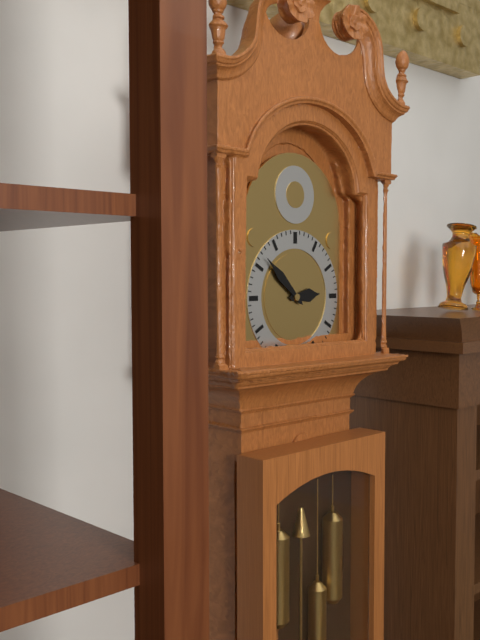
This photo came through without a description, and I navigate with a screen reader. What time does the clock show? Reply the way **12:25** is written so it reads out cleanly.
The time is **2:52**
